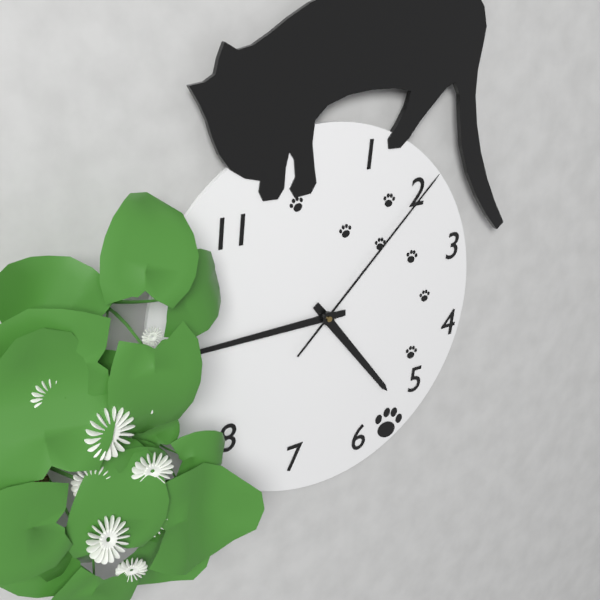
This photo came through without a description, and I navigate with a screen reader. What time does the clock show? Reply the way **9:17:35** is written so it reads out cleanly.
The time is **4:45:08**
